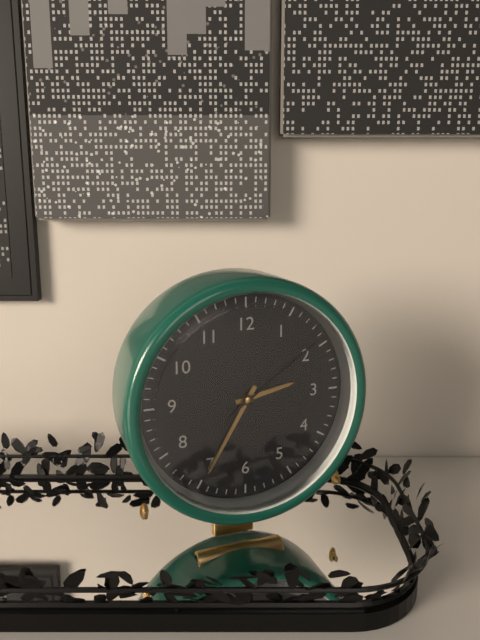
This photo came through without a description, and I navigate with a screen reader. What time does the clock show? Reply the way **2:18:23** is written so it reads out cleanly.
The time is **2:35:09**
